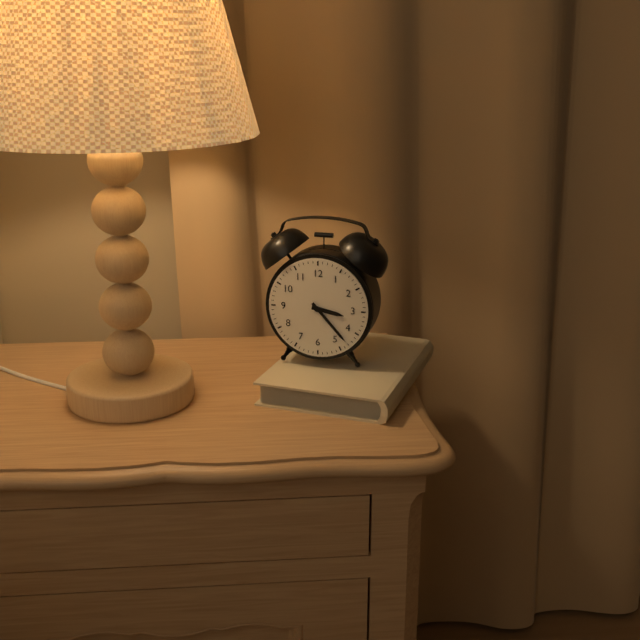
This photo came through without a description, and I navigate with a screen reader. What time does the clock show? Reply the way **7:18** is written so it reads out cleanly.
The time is **3:23**
